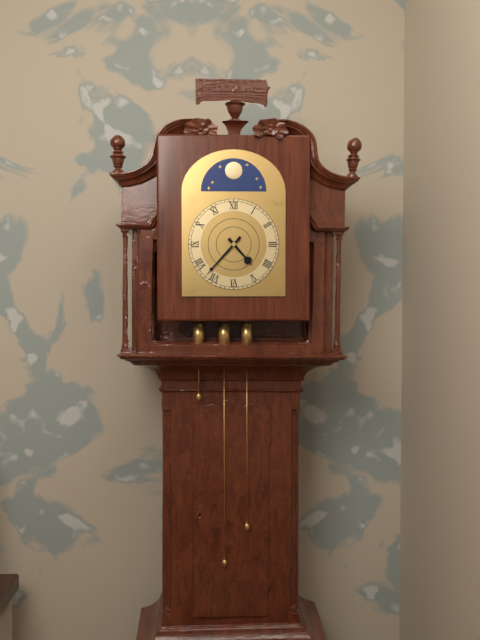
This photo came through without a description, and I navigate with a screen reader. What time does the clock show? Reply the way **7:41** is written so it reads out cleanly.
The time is **4:37**
